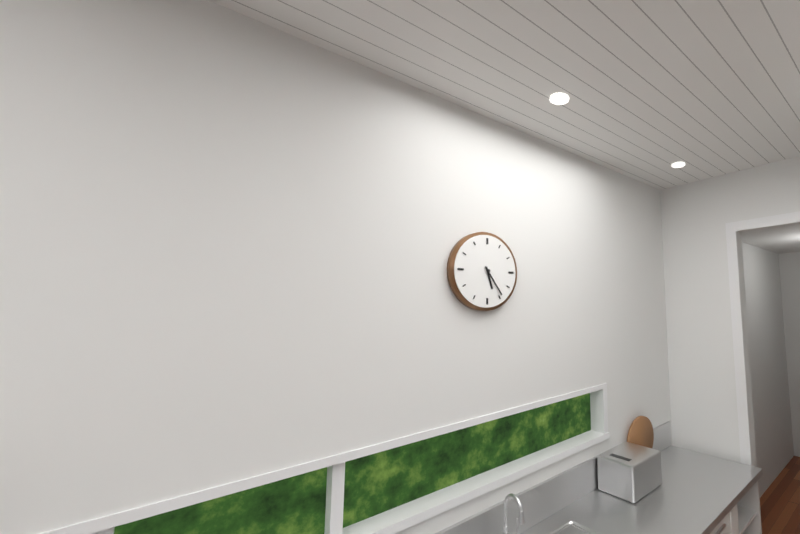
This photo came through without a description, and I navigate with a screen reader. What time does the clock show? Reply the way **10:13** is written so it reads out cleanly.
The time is **5:24**
